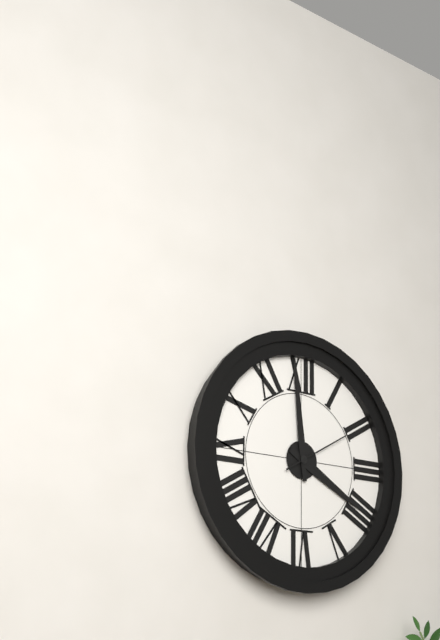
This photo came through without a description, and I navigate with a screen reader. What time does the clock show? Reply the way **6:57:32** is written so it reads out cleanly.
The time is **3:59:10**
